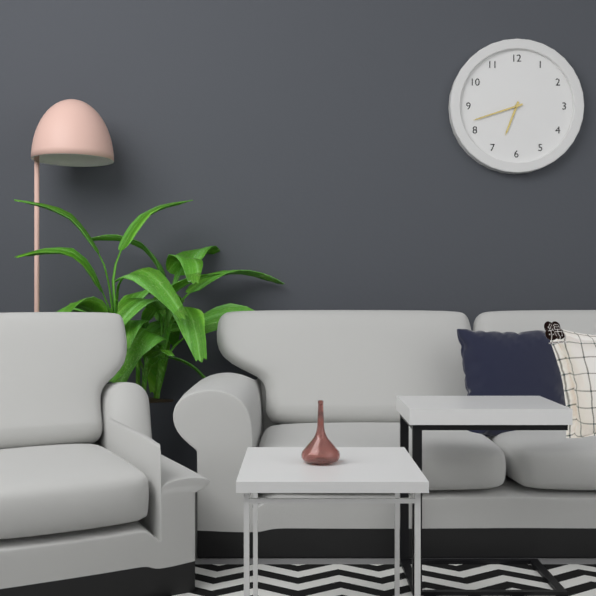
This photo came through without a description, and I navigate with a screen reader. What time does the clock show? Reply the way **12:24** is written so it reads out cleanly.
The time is **6:42**
